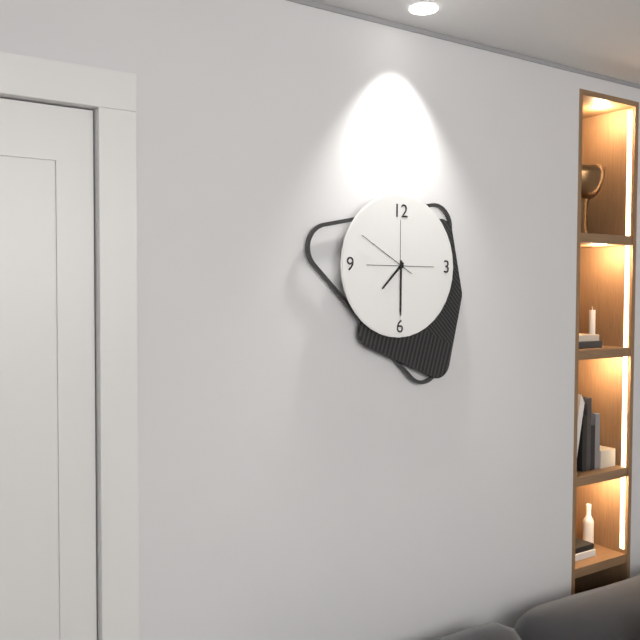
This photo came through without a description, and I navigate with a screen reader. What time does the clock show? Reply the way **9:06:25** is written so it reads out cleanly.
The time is **7:30:50**
